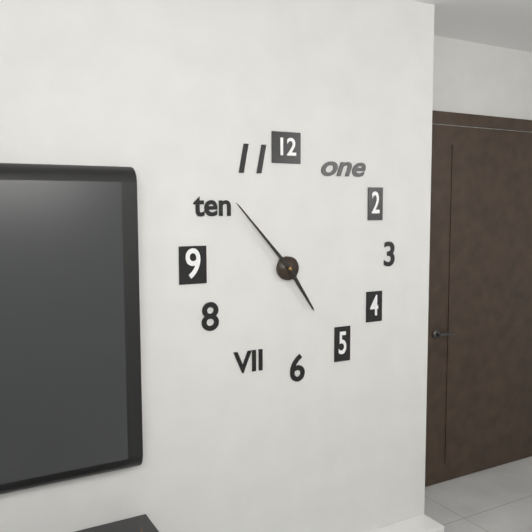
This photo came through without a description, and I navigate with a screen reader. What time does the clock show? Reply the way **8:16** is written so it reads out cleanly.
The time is **4:53**
